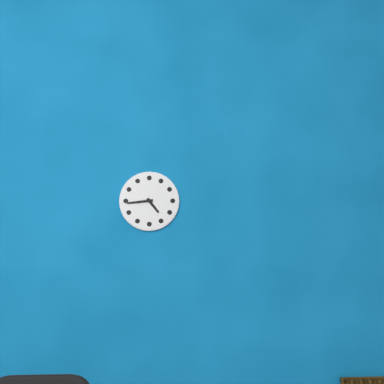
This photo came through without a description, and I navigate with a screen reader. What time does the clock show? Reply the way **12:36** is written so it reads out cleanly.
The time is **4:44**
